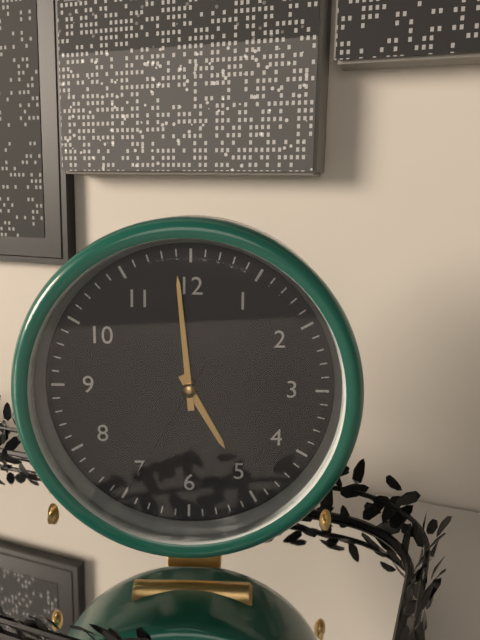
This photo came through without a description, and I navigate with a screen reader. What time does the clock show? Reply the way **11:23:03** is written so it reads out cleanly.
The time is **4:59:35**
